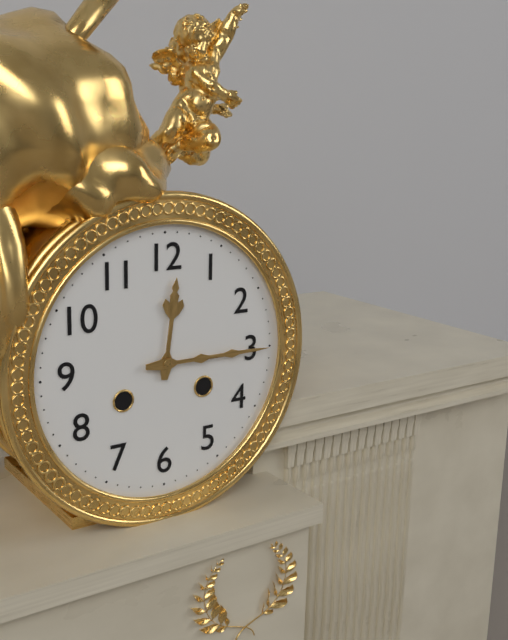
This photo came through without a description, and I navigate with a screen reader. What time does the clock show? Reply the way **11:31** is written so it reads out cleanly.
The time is **12:15**
